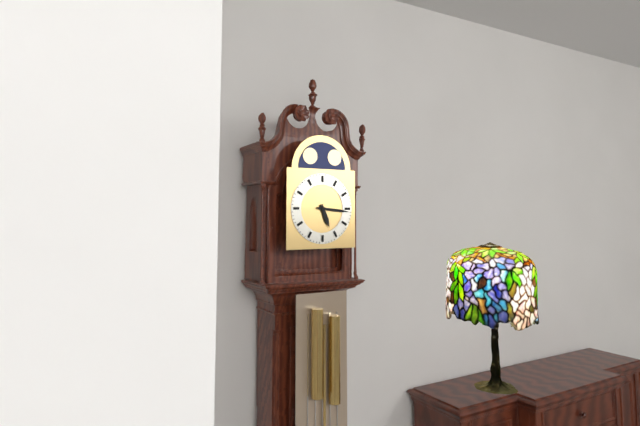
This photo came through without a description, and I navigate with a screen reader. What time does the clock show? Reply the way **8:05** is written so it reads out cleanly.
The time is **5:16**
